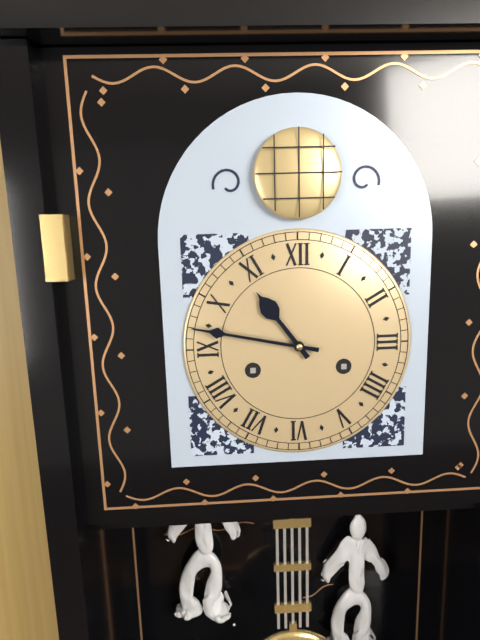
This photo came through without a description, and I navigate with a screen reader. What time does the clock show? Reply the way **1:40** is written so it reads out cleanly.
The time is **10:47**
